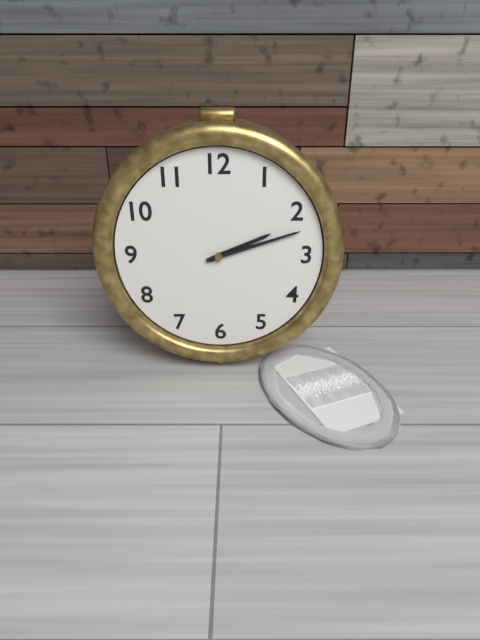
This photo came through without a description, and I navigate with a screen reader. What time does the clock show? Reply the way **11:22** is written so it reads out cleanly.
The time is **2:12**
